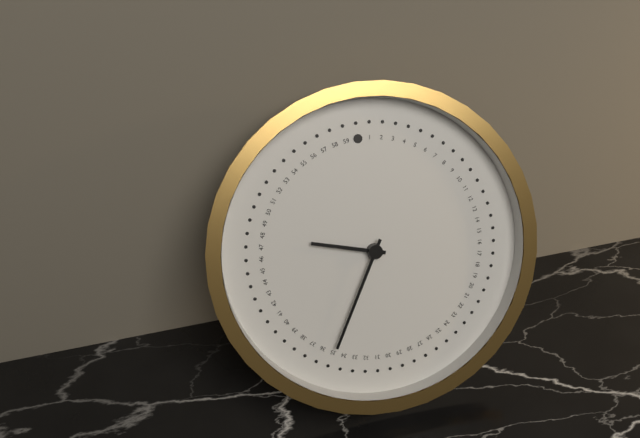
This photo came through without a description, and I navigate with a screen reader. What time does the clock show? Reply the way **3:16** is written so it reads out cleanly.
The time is **9:35**
